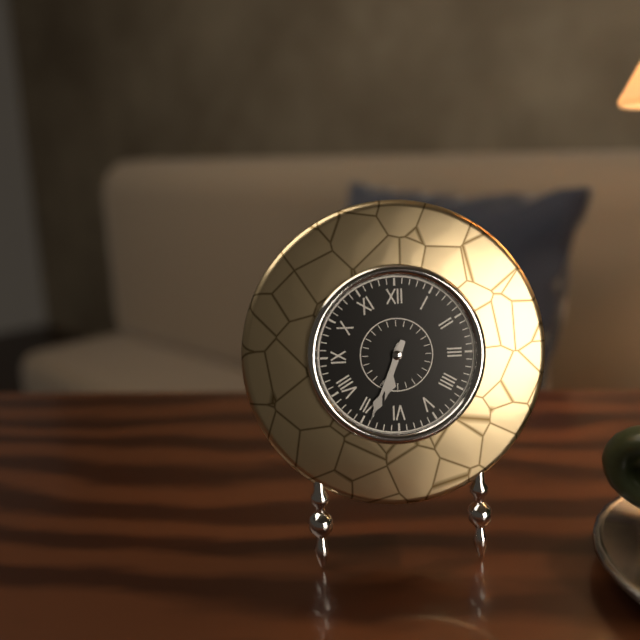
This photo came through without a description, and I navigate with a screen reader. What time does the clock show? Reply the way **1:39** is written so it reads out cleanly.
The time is **6:34**
